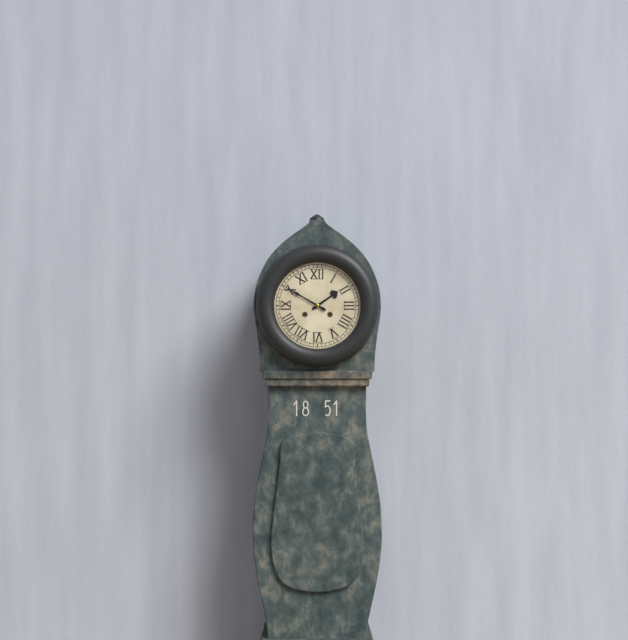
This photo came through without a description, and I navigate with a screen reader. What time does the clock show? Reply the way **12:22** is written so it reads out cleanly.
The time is **1:50**
